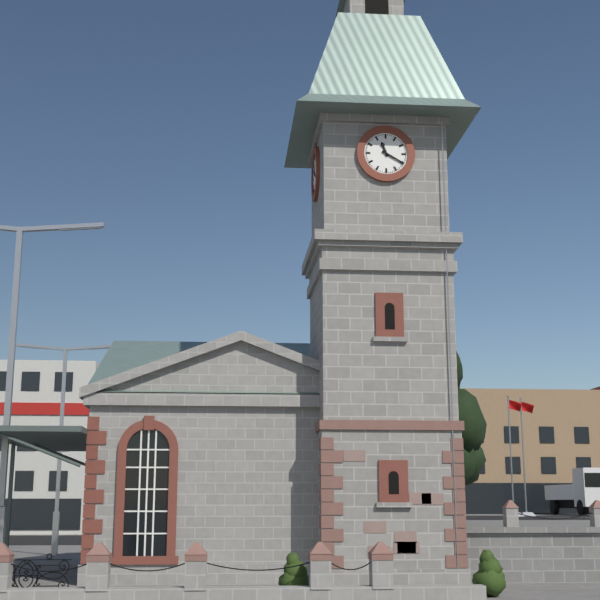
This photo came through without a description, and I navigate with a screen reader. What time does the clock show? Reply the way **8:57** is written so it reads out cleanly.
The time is **11:20**
